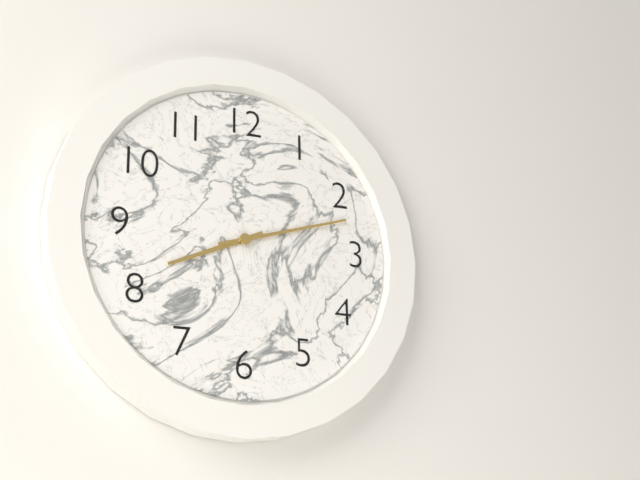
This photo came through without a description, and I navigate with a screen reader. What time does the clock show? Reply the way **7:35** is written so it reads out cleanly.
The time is **8:12**
